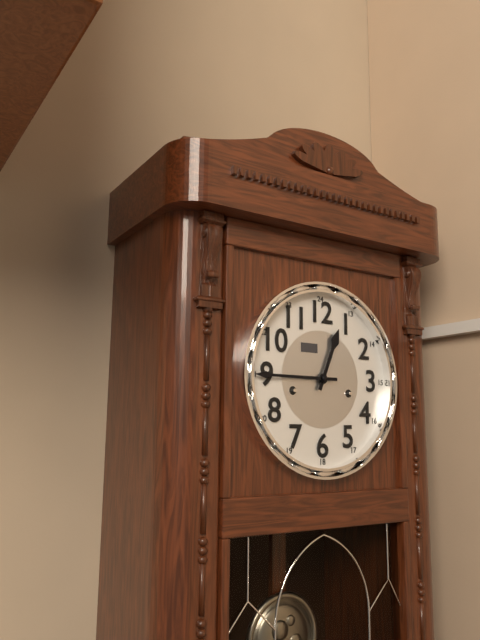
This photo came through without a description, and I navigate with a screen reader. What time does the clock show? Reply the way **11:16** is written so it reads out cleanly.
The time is **12:45**
